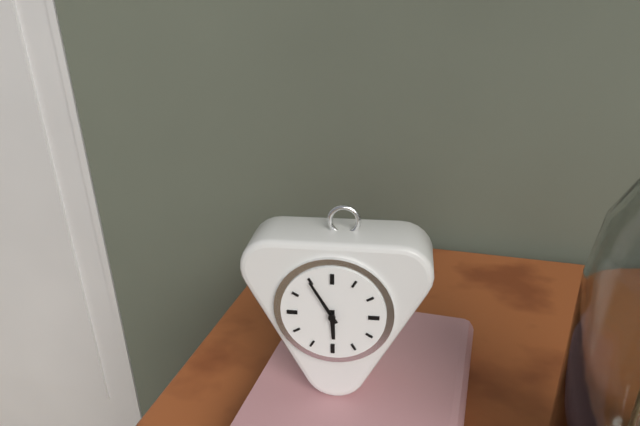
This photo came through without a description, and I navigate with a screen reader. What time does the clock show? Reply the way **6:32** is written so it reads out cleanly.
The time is **5:55**
